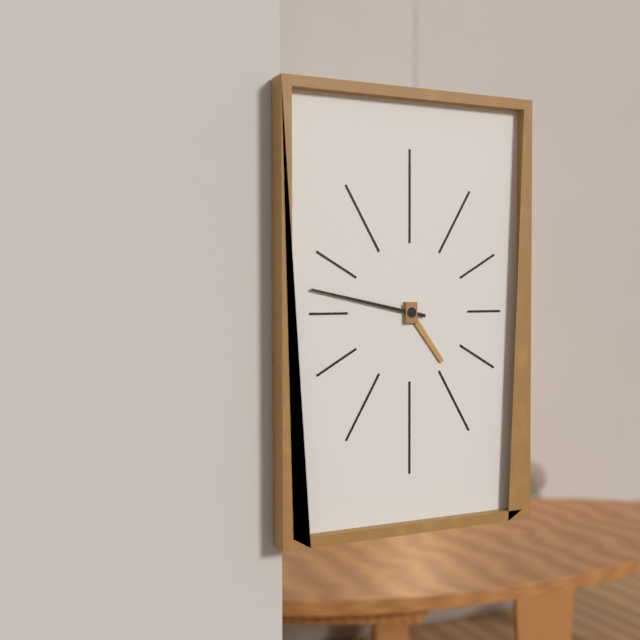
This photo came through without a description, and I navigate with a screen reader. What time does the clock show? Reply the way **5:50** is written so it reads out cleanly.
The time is **4:47**
